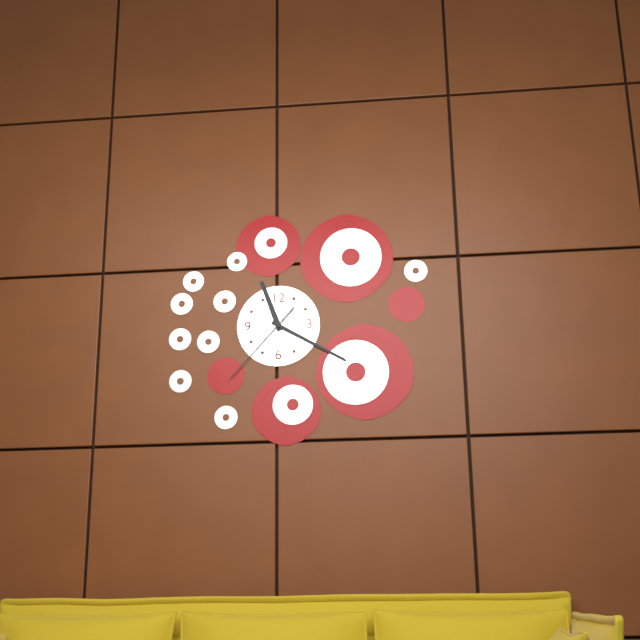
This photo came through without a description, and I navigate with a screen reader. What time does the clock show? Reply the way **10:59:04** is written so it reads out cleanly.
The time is **11:20:37**
